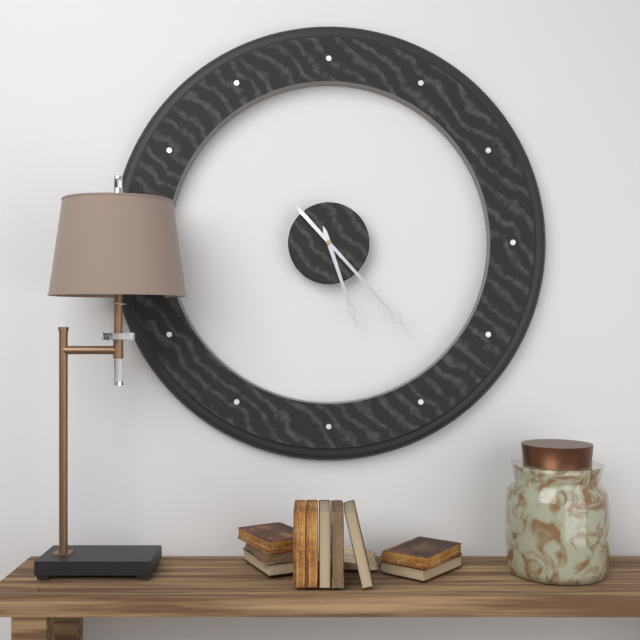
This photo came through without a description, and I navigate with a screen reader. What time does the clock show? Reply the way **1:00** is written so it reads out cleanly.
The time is **5:23**
